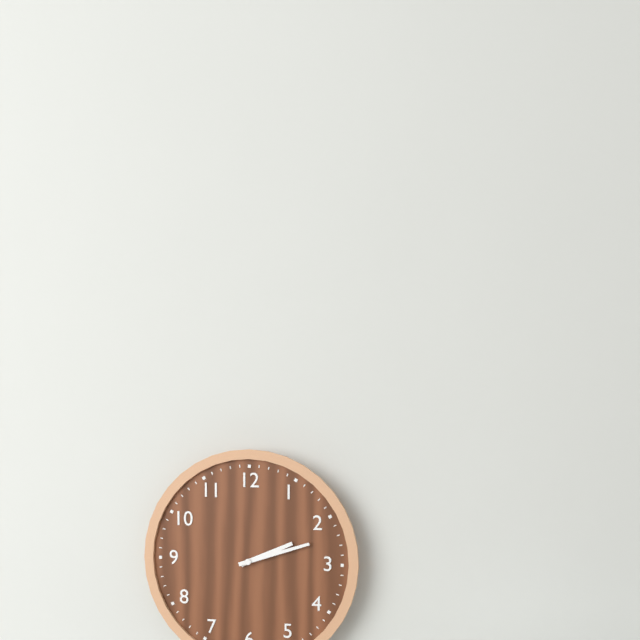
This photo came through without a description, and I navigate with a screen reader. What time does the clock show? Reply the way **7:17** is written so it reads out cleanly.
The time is **2:12**
